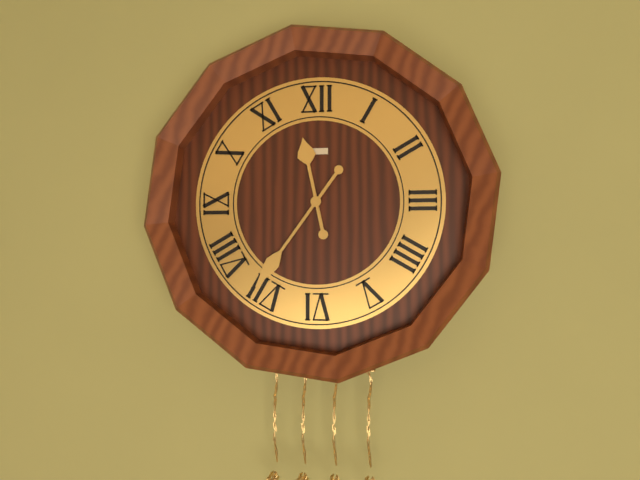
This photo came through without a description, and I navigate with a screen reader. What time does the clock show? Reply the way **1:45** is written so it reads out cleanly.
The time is **11:36**
